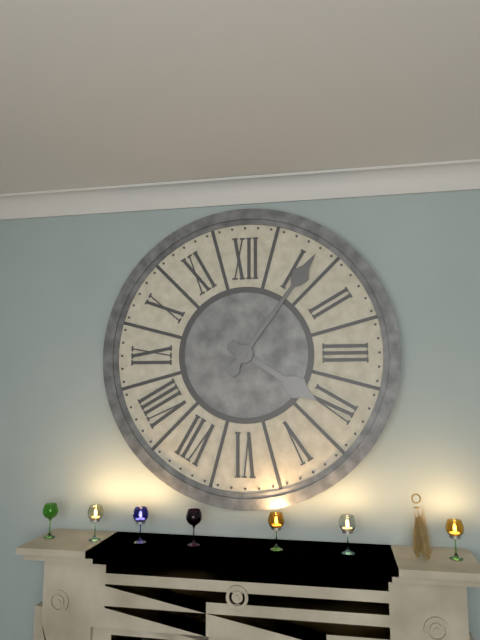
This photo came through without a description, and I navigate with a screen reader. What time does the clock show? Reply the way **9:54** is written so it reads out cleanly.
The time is **4:06**
